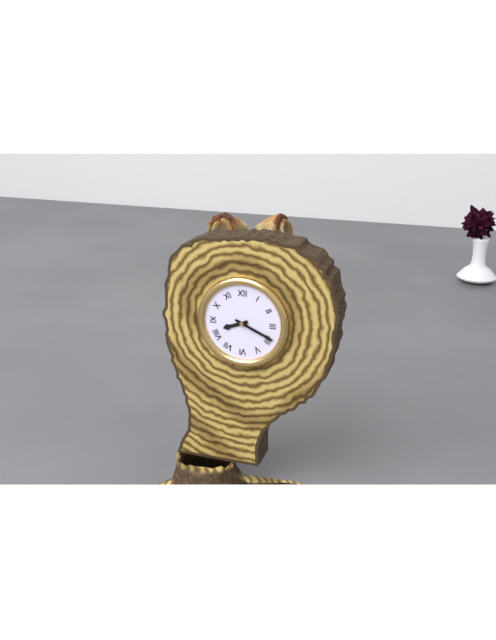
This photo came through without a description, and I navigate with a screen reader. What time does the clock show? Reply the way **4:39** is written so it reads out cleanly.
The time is **8:19**
